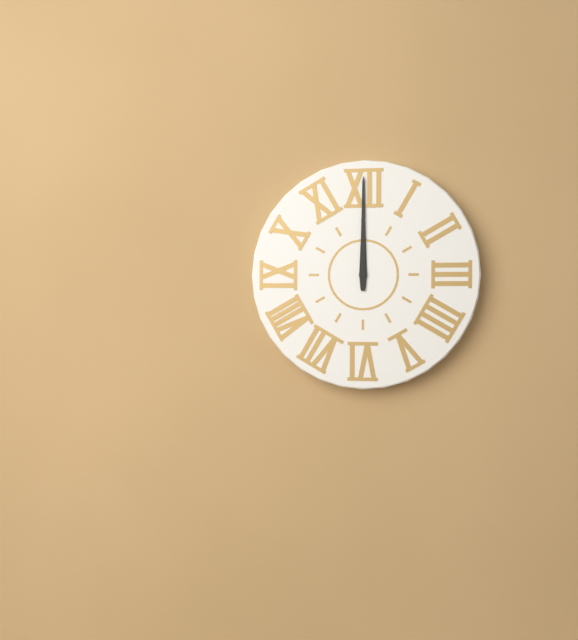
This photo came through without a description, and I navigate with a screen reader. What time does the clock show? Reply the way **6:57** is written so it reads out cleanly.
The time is **12:00**
